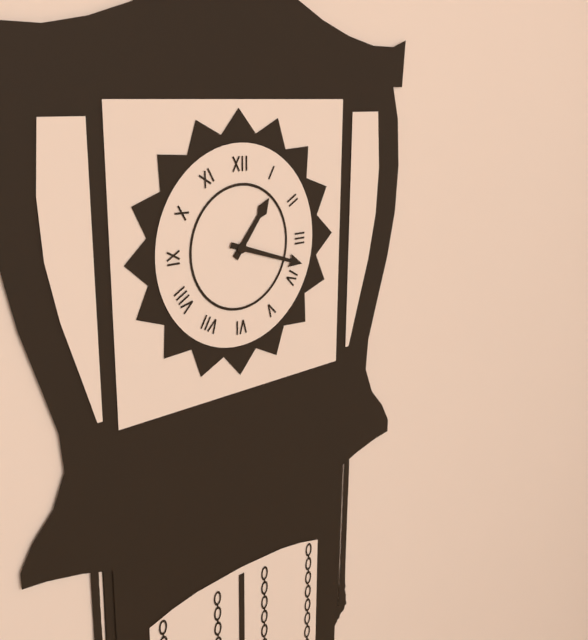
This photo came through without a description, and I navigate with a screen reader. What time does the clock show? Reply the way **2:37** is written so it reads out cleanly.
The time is **1:18**
